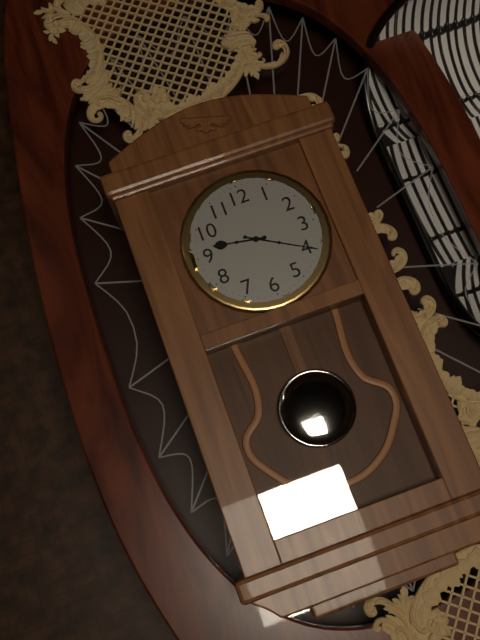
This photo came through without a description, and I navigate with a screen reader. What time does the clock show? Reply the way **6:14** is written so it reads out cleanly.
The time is **9:20**
